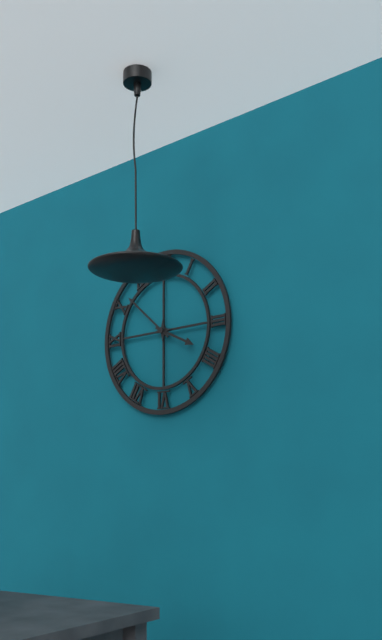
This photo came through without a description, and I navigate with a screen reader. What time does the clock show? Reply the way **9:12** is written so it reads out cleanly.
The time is **3:52**
